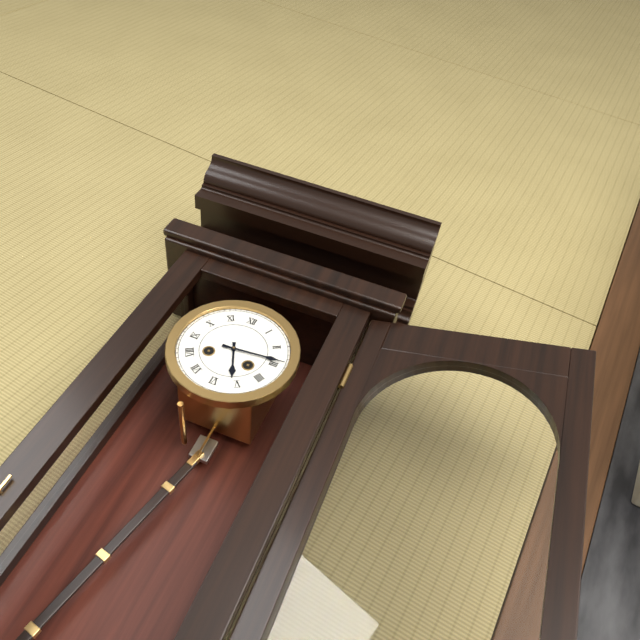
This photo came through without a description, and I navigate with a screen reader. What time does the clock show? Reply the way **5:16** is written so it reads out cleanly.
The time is **5:14**
